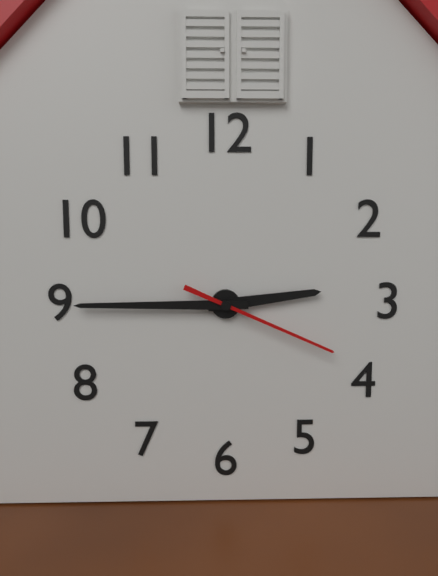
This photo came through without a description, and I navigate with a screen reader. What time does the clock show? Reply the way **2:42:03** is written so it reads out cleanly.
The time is **2:45:19**
